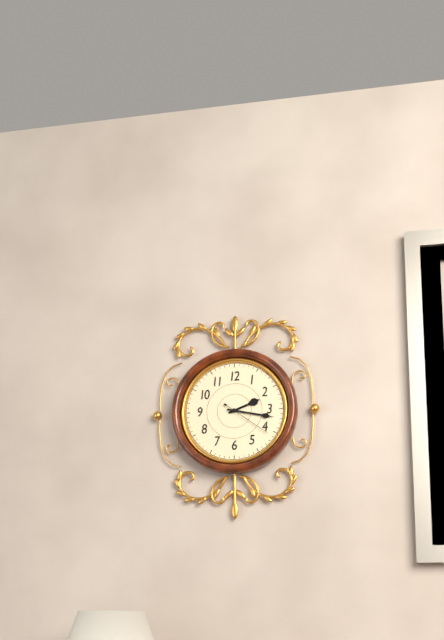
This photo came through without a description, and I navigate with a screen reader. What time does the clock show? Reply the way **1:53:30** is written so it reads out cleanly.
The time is **2:17:21**
